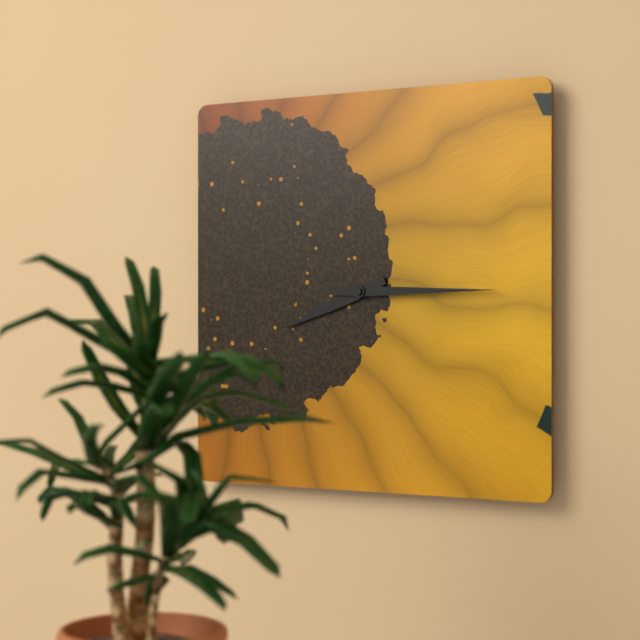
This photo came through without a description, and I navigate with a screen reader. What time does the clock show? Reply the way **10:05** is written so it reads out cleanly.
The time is **8:15**
